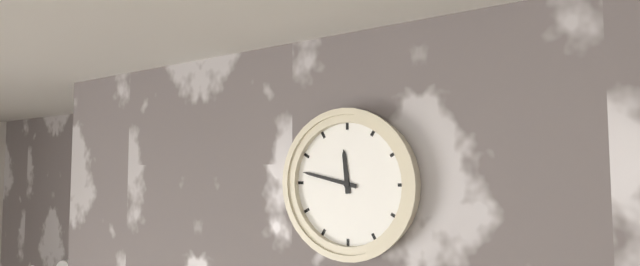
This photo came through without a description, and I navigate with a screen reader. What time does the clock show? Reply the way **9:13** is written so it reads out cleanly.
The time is **11:47**
